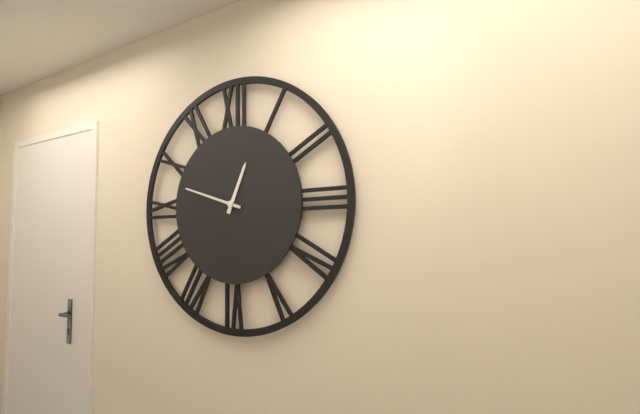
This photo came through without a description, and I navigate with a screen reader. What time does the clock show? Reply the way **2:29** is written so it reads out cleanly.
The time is **12:48**
